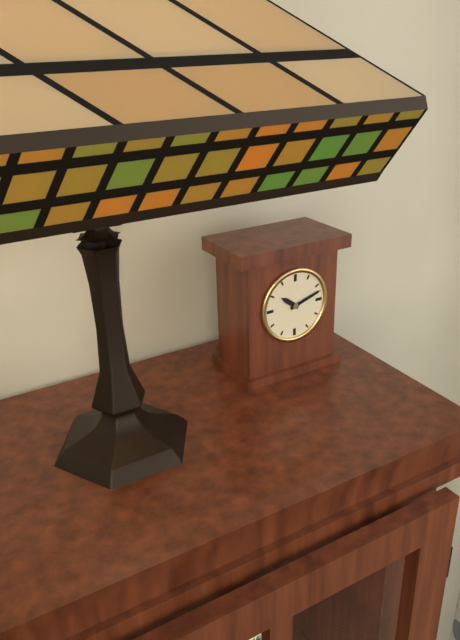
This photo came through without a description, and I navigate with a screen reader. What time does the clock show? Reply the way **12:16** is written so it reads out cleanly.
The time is **10:12**
